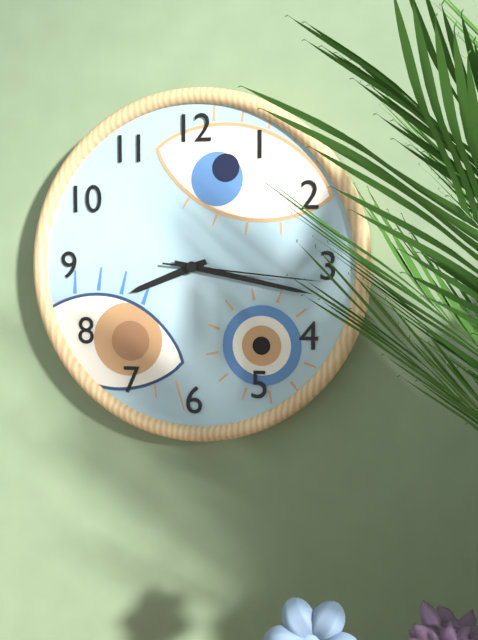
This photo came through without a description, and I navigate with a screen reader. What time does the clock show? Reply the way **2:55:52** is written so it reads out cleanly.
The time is **8:17:16**
